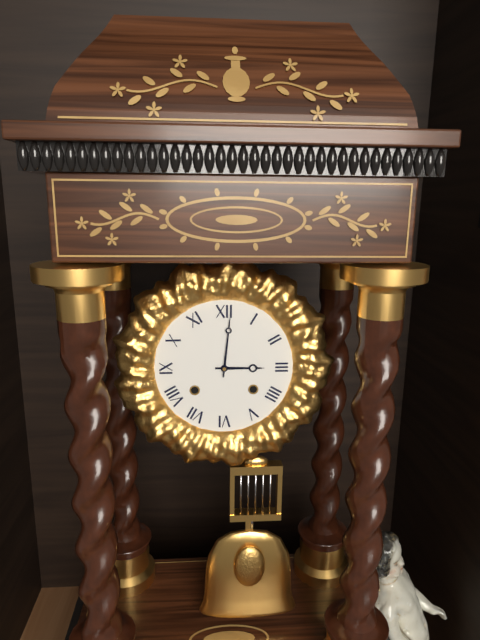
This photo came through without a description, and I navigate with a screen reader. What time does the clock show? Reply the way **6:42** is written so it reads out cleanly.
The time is **3:01**
